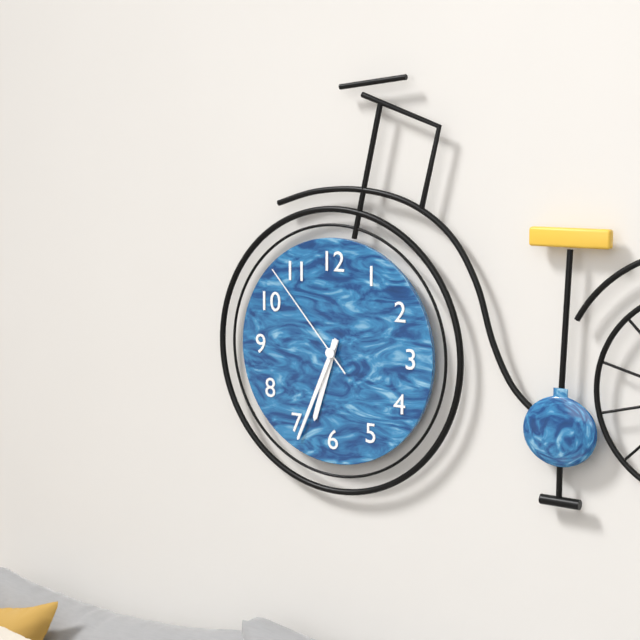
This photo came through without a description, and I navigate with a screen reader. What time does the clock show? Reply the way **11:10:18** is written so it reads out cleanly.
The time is **6:34:53**
